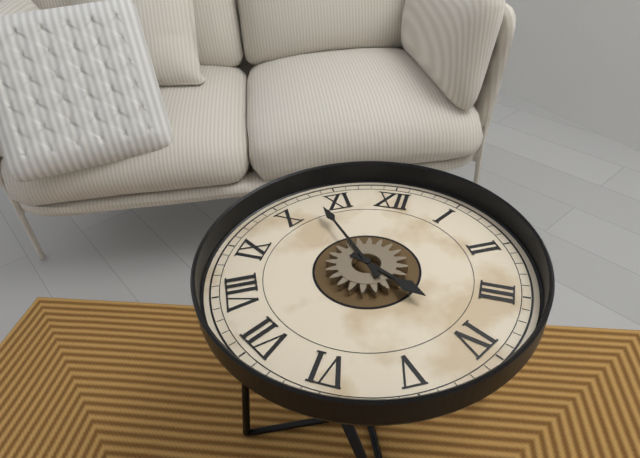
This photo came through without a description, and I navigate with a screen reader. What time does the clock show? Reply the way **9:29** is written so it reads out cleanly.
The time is **3:53**
